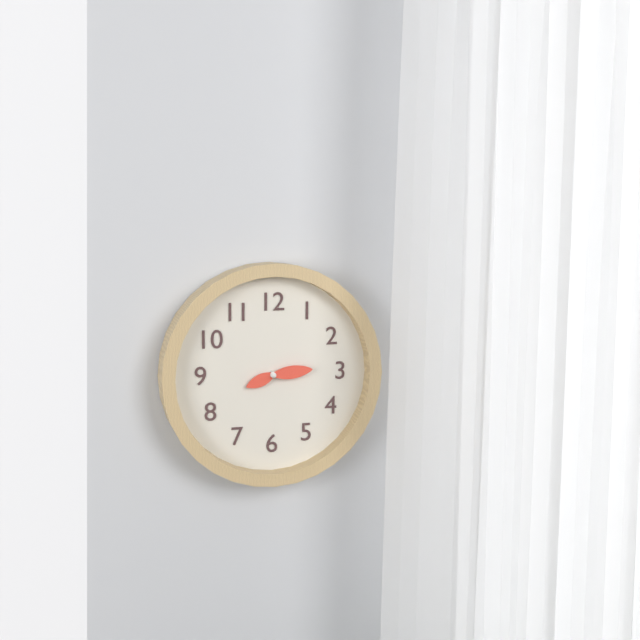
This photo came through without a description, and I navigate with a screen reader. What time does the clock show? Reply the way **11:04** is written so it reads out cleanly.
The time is **8:14**
